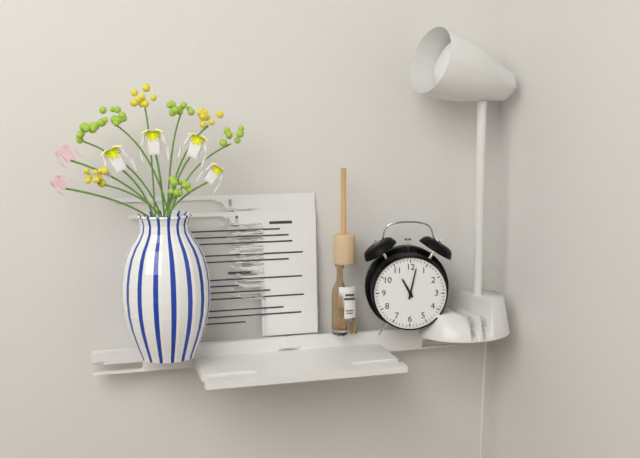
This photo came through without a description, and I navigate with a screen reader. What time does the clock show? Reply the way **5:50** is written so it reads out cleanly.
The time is **11:02**
